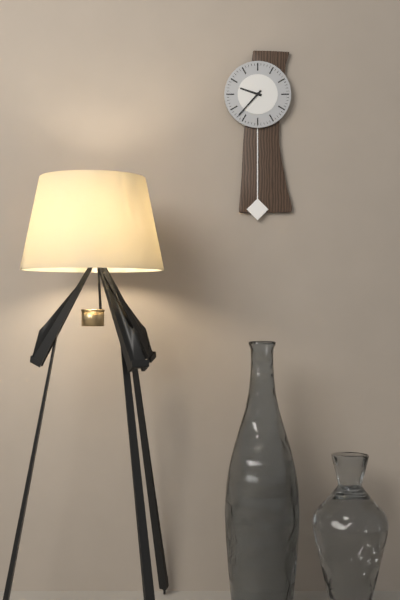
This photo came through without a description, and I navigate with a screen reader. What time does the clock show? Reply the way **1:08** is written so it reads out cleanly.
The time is **9:37**
